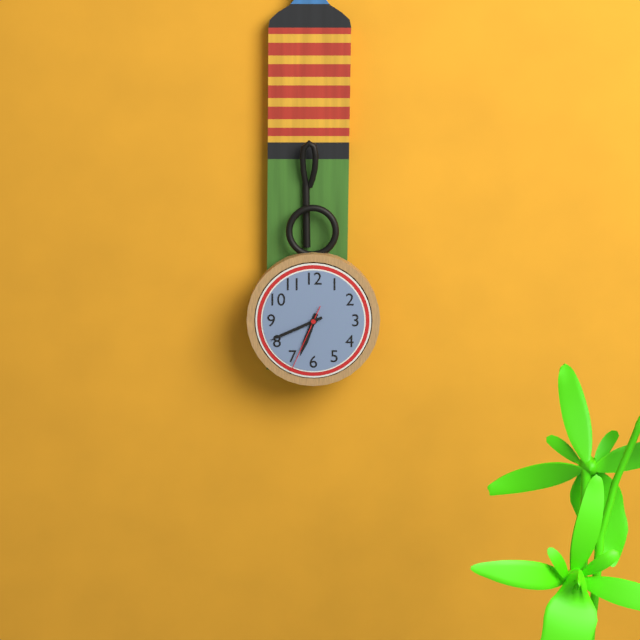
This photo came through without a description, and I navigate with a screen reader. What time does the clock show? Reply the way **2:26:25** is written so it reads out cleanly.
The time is **6:41:34**
